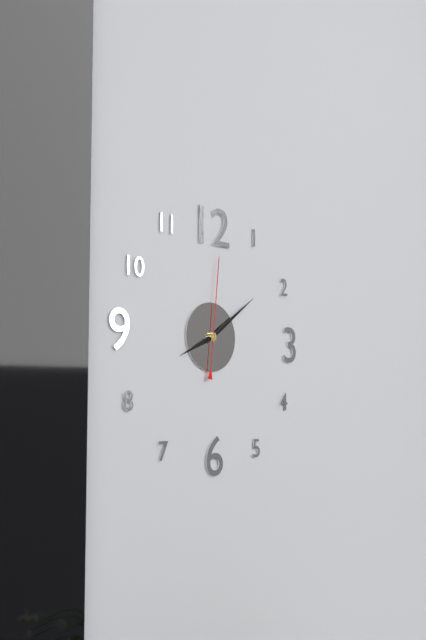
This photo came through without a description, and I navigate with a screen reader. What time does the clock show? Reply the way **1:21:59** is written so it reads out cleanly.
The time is **8:09:01**
